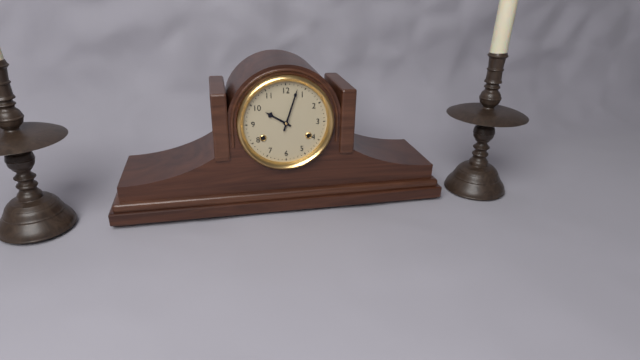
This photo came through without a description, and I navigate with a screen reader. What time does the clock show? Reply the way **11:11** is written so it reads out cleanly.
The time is **10:03**
